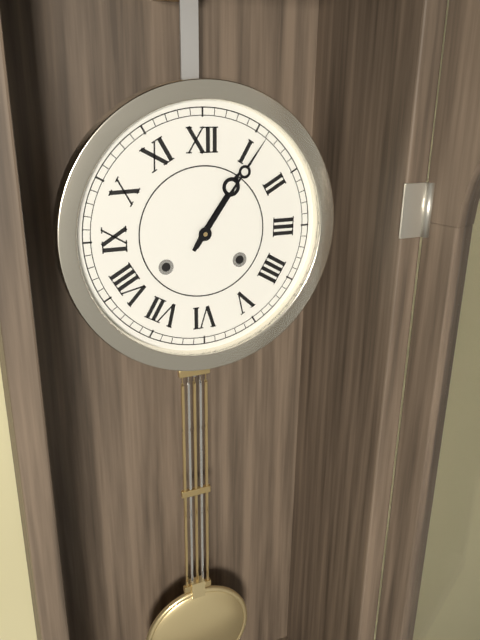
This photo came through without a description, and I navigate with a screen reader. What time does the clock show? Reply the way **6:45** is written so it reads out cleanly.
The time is **1:06**
